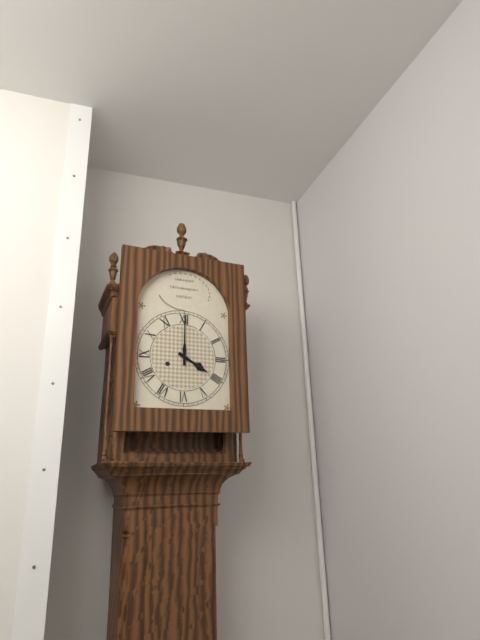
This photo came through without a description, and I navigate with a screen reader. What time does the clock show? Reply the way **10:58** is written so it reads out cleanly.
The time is **4:00**
